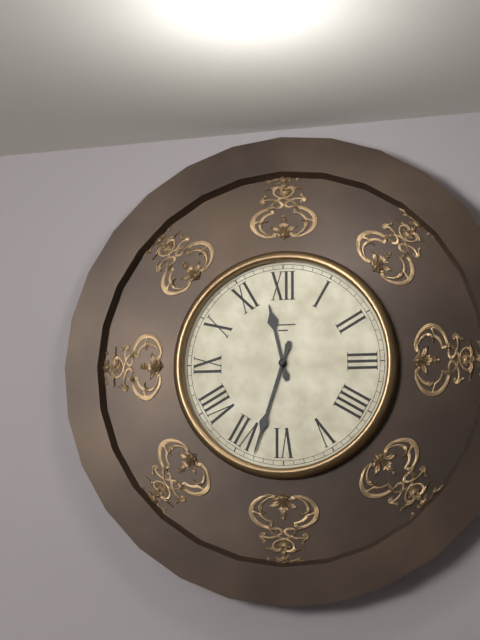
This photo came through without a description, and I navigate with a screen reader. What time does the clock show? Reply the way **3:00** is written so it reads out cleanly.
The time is **11:33**
